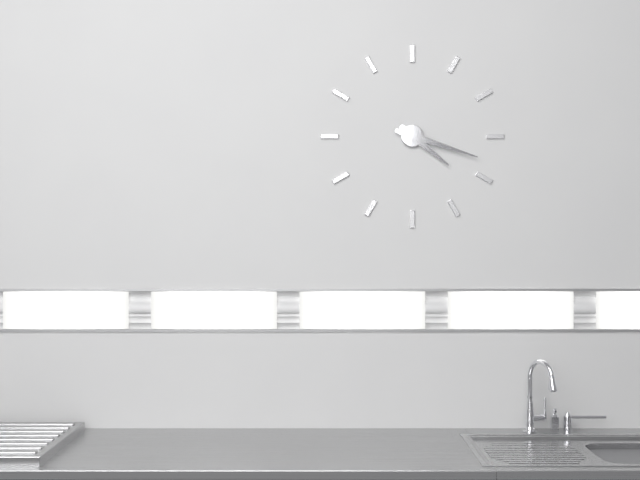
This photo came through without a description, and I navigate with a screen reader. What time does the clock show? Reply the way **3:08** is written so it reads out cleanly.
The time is **4:18**
